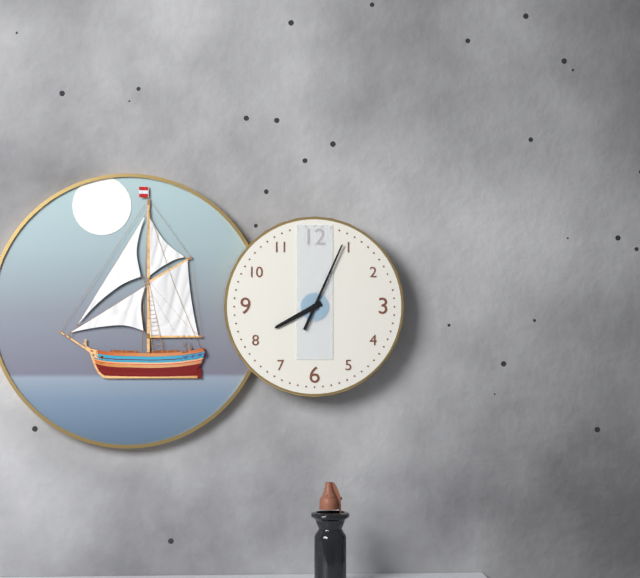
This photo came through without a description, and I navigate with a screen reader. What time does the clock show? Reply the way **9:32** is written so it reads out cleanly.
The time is **8:04**
